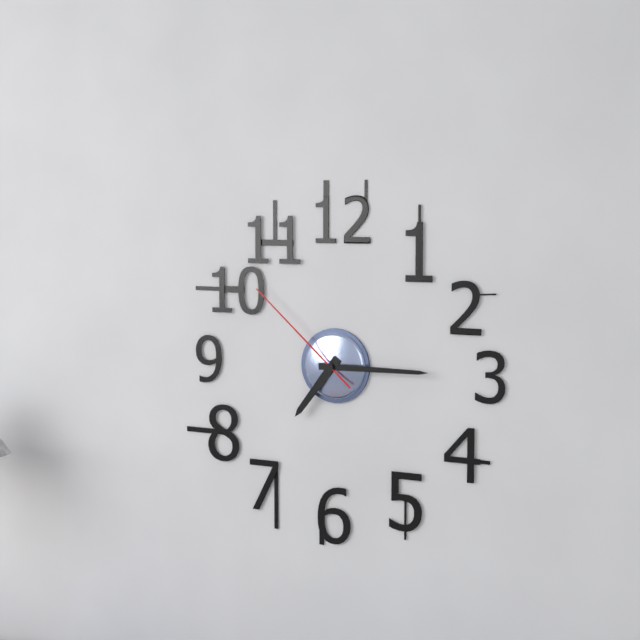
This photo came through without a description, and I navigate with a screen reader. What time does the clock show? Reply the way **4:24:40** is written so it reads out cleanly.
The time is **7:15:52**
